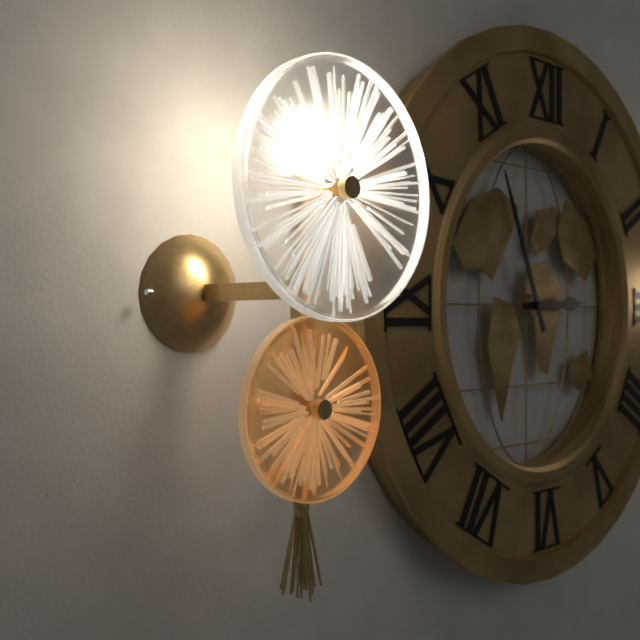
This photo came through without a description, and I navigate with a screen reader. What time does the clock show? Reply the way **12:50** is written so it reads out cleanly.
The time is **2:56**
